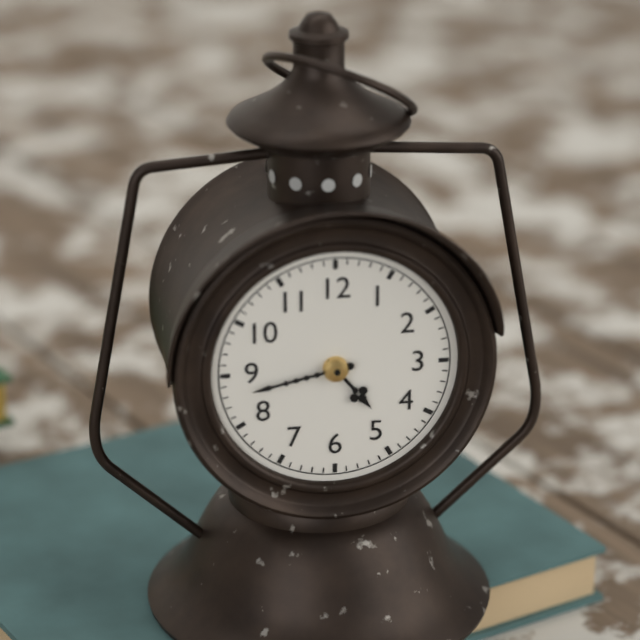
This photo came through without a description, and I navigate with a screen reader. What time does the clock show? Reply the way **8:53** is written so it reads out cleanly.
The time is **4:43**
